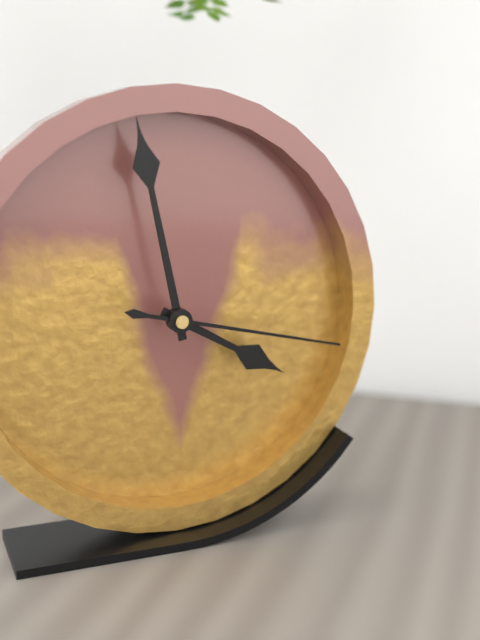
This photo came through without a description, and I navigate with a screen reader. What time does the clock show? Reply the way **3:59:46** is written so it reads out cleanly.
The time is **3:58:17**
